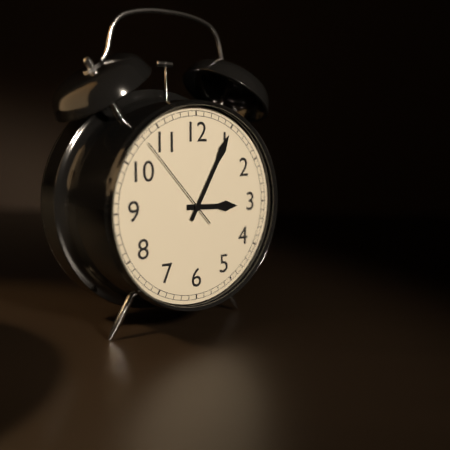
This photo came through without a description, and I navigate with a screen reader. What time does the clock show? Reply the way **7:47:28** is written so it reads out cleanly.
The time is **3:05:53**
